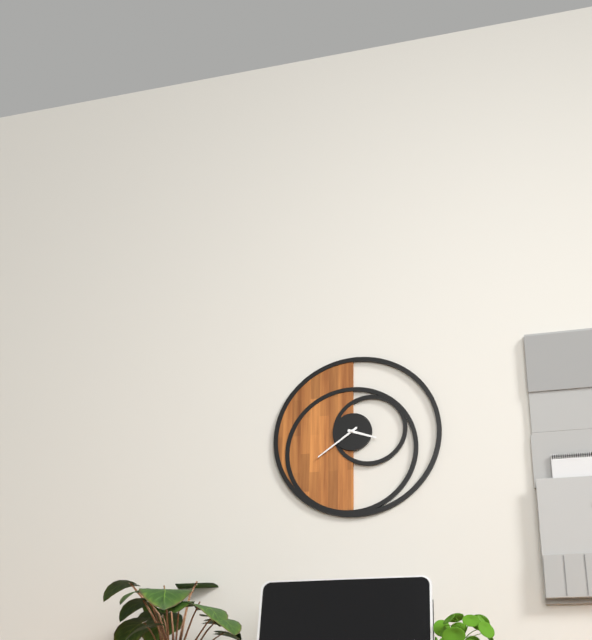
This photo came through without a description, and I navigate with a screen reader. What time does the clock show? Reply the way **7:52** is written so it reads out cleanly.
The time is **3:39**
